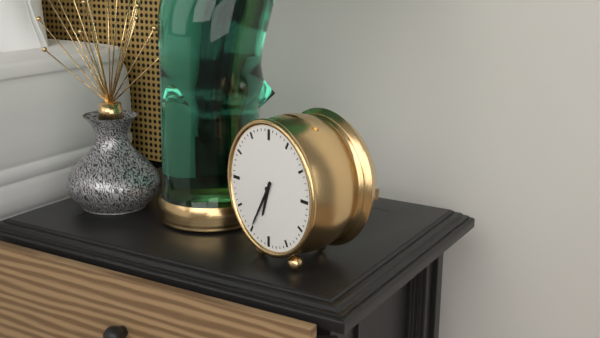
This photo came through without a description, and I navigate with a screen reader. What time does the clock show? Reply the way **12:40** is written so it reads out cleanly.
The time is **6:35**
